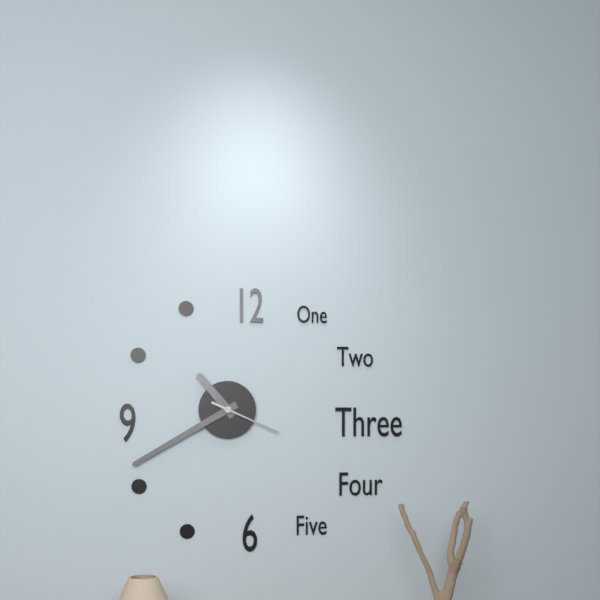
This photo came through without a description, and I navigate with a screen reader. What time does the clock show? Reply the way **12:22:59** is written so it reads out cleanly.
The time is **10:40:19**
